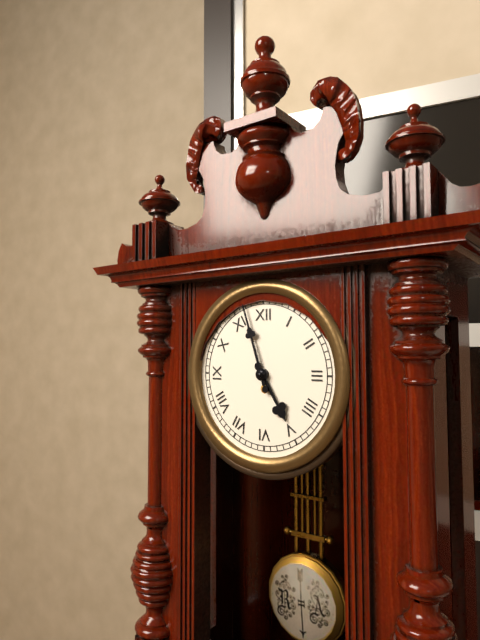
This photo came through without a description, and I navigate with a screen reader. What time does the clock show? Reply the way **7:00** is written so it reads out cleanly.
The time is **4:57**
